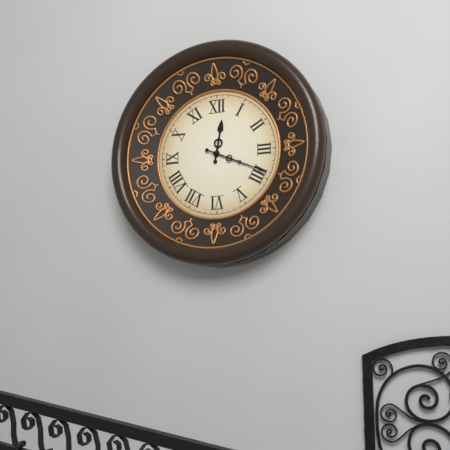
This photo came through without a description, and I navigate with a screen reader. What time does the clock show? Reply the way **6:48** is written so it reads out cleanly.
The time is **12:19**
